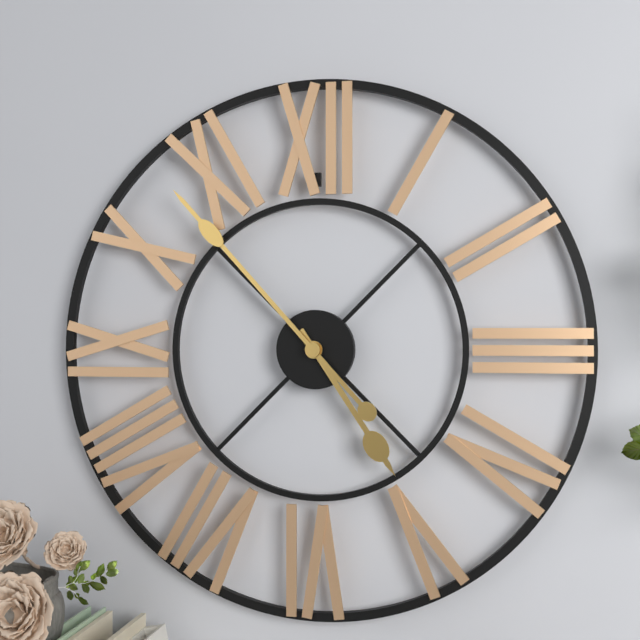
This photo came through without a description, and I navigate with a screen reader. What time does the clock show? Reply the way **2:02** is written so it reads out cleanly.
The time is **4:53**
